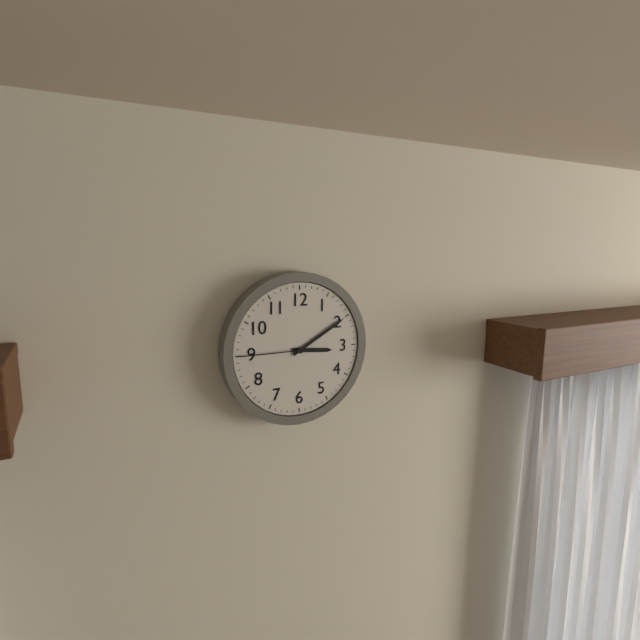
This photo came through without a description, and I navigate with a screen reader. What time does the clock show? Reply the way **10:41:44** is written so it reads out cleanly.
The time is **3:10:45**
